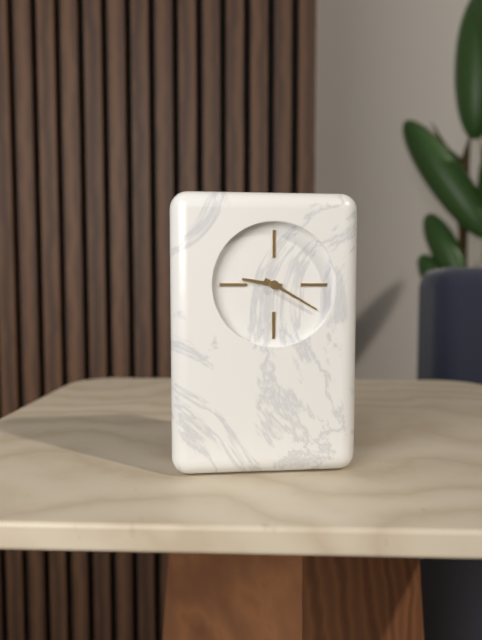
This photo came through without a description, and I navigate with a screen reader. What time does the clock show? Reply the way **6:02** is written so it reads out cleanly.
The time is **9:20**
